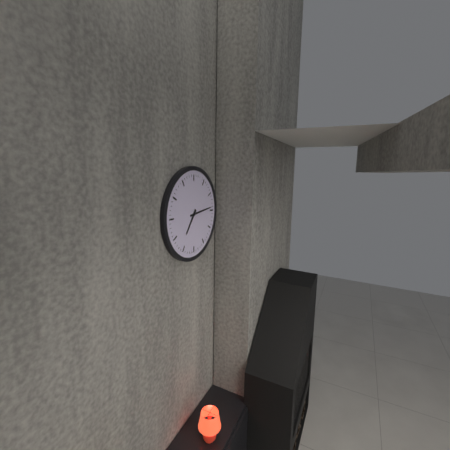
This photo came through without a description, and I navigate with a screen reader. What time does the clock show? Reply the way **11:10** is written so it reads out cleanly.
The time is **7:14**
